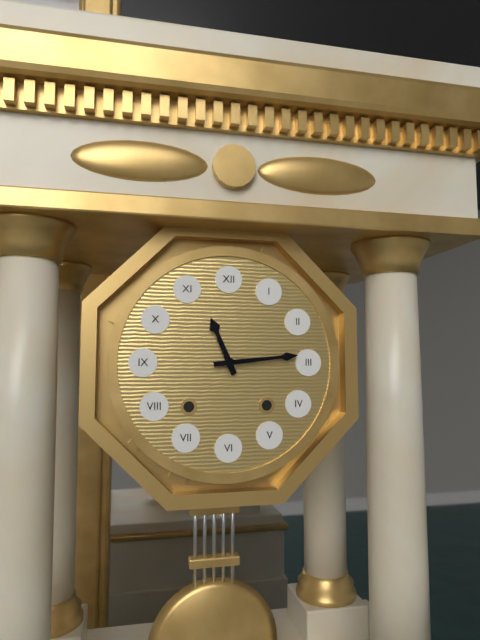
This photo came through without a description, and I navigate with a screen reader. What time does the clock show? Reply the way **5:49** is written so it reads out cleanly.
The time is **11:14**
